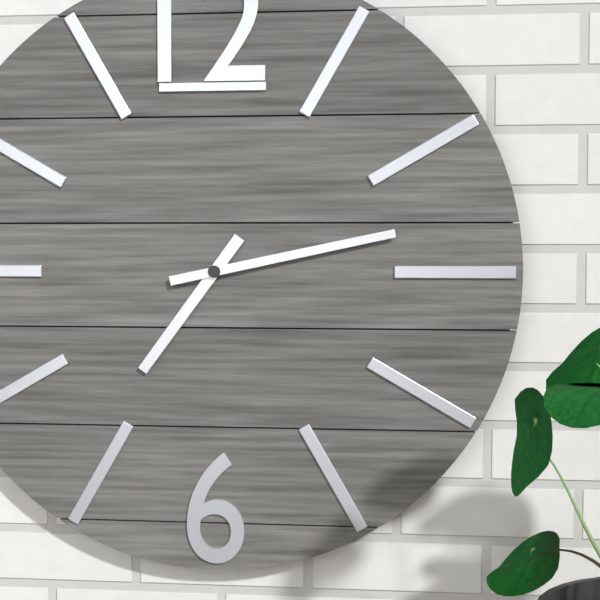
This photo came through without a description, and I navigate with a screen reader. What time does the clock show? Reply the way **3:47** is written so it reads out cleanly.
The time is **7:13**
